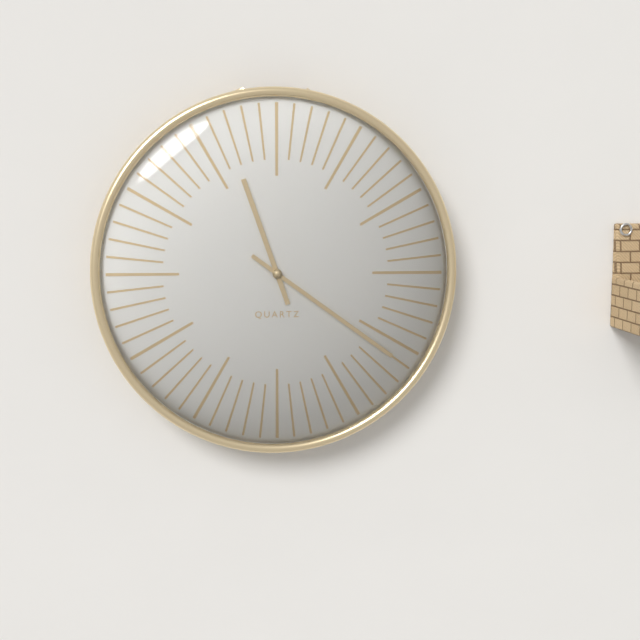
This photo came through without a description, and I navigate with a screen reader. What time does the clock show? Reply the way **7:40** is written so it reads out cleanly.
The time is **11:21**
